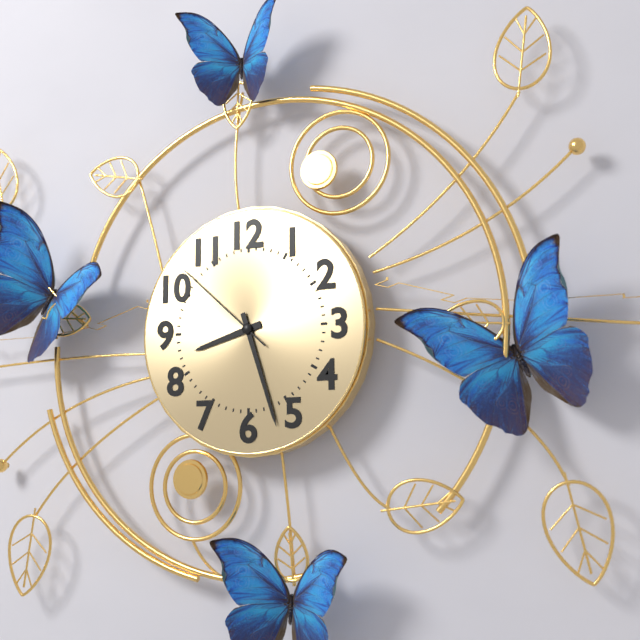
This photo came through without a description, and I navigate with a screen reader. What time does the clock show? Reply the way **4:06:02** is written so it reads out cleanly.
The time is **8:27:52**
